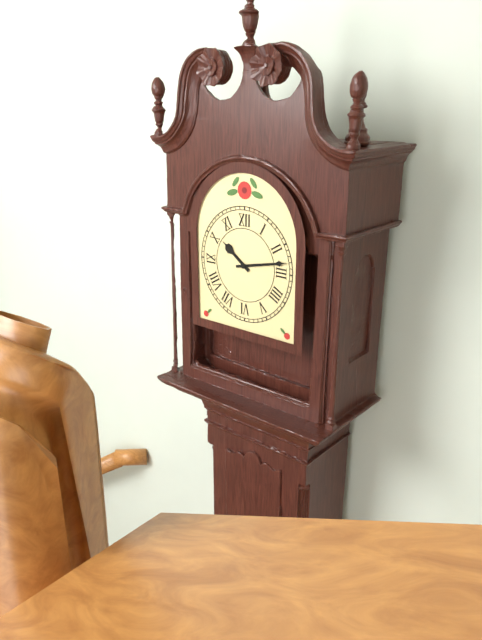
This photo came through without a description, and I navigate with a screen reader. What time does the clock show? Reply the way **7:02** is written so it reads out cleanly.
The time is **10:13**
